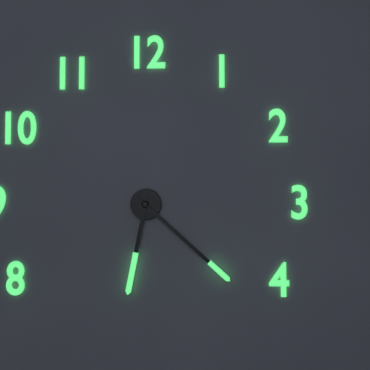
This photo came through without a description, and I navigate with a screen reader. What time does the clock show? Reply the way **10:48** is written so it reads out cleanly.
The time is **6:22**
